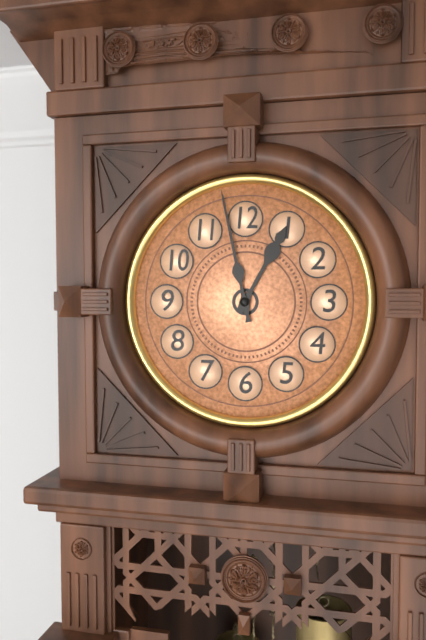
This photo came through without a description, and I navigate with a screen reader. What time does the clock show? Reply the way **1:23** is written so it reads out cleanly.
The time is **12:58**
